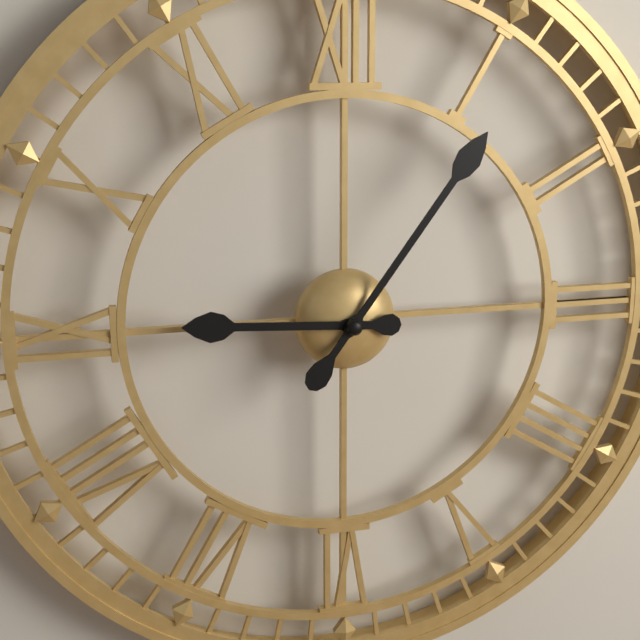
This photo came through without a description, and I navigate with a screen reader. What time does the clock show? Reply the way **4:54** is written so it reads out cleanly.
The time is **9:06**
